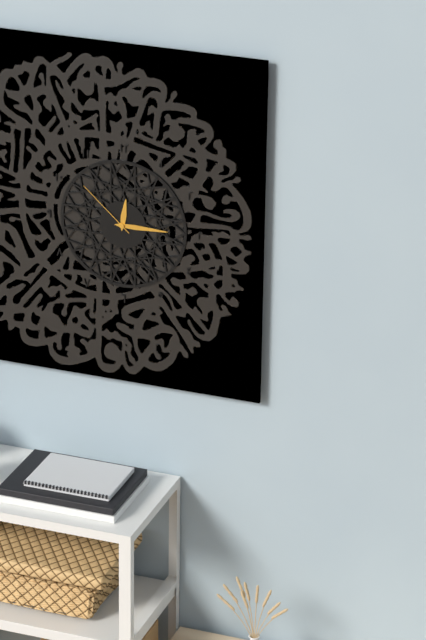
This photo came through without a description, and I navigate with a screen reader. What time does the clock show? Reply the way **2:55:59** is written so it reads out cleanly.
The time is **12:15:52**
